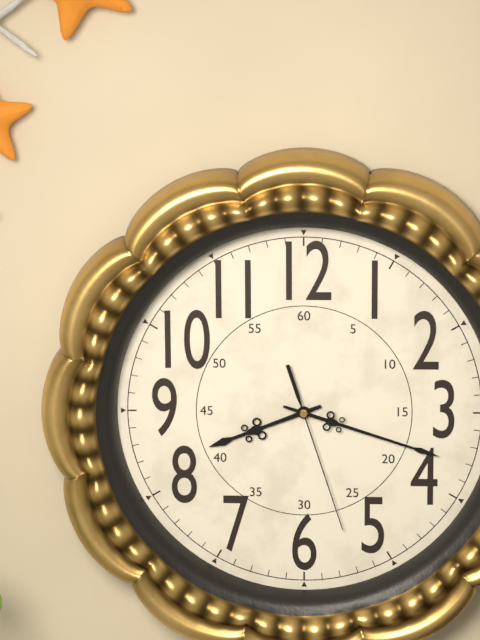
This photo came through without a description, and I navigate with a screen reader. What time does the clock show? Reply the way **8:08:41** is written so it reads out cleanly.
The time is **8:18:27**
